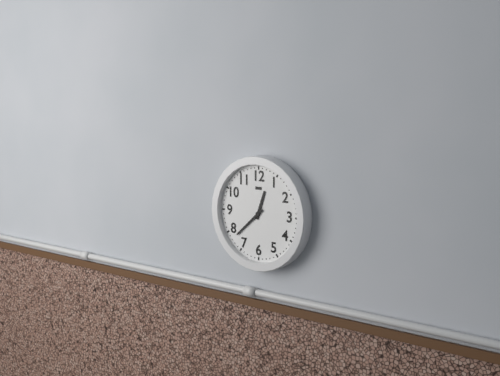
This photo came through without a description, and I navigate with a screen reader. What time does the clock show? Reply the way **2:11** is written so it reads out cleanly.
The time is **12:38**
